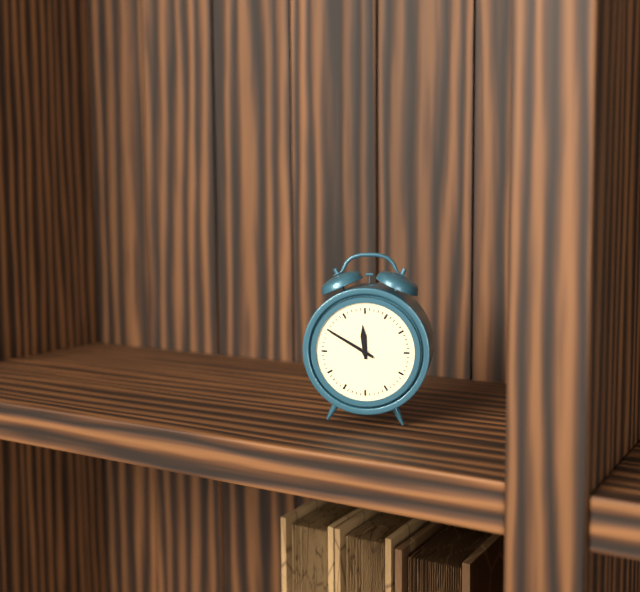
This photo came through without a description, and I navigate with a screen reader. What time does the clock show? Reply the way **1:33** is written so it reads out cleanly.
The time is **11:50**
